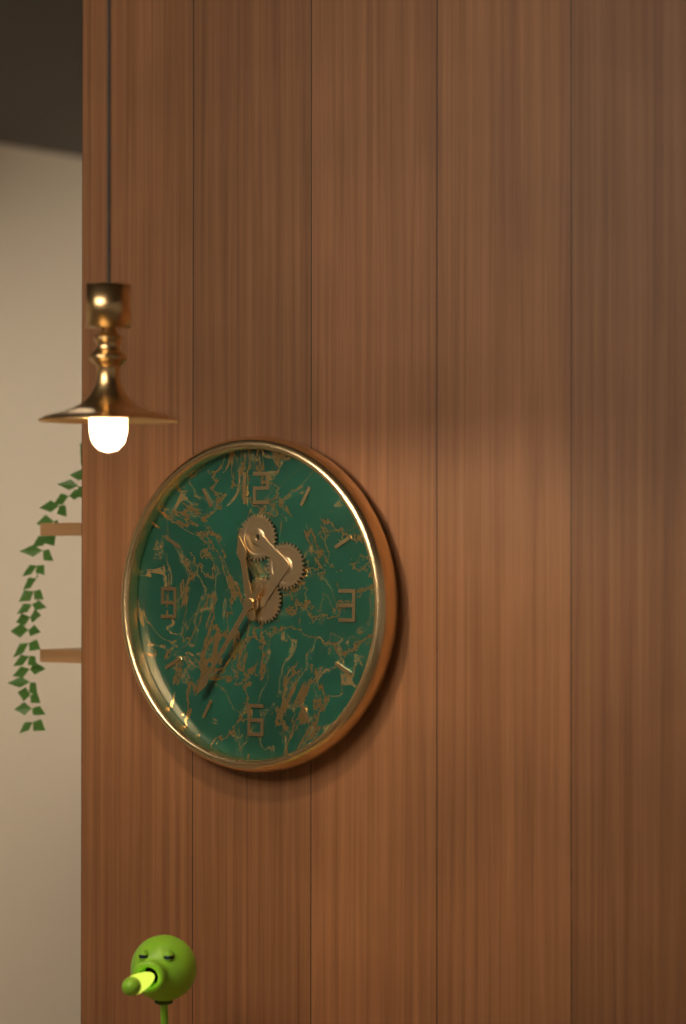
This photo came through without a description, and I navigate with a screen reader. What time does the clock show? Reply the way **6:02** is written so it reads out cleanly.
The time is **11:36**
